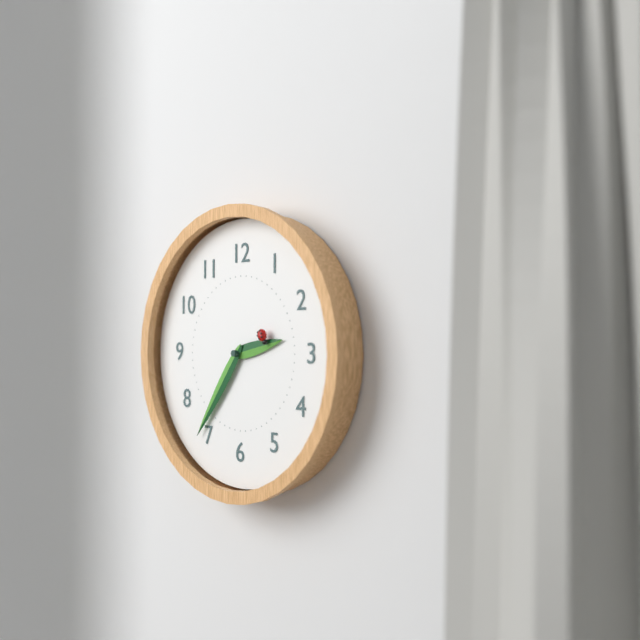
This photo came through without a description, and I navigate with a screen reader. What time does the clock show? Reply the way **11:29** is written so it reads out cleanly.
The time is **2:36**
